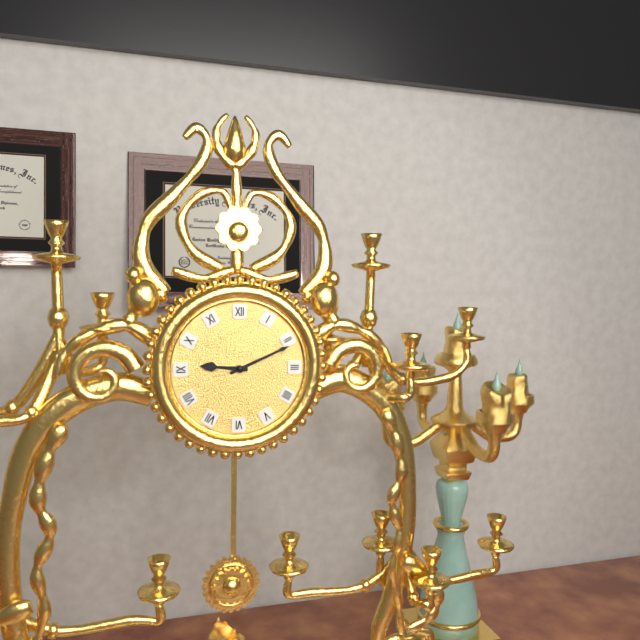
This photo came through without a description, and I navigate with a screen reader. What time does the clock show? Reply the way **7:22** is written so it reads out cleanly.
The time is **9:11**
